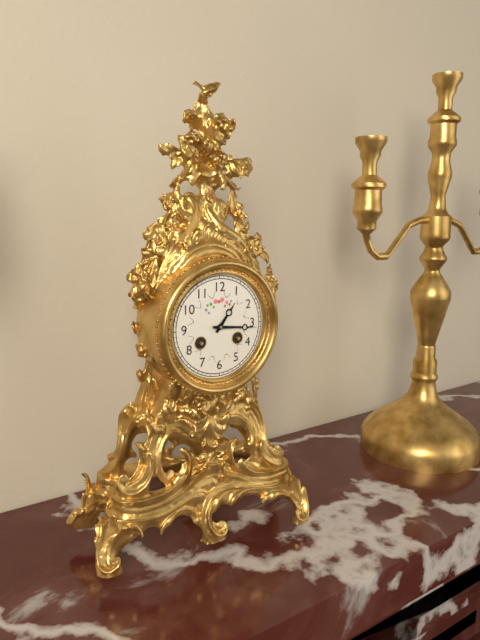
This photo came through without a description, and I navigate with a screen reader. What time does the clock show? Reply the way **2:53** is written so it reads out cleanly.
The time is **1:16**
